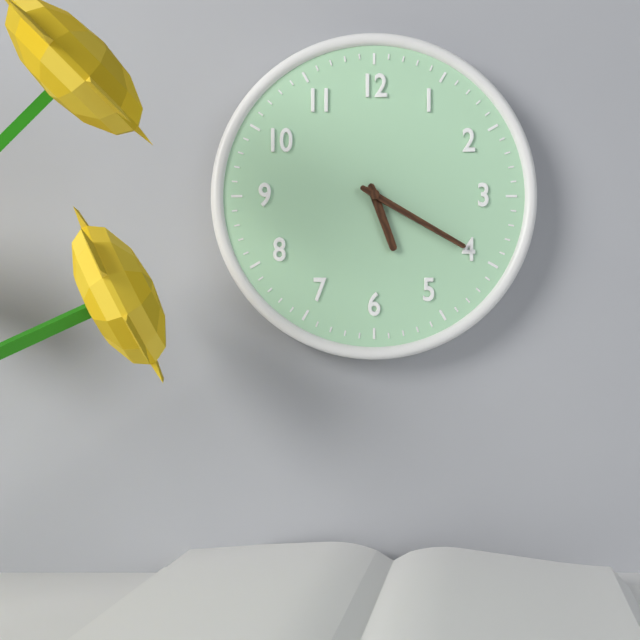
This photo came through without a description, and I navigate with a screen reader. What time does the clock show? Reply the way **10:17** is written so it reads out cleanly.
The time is **5:20**
